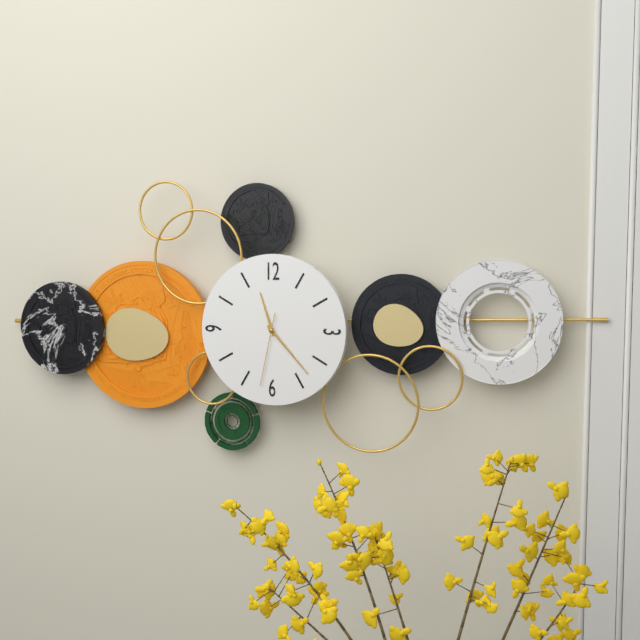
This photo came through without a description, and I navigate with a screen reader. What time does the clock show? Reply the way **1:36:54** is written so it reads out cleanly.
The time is **11:23:32**
